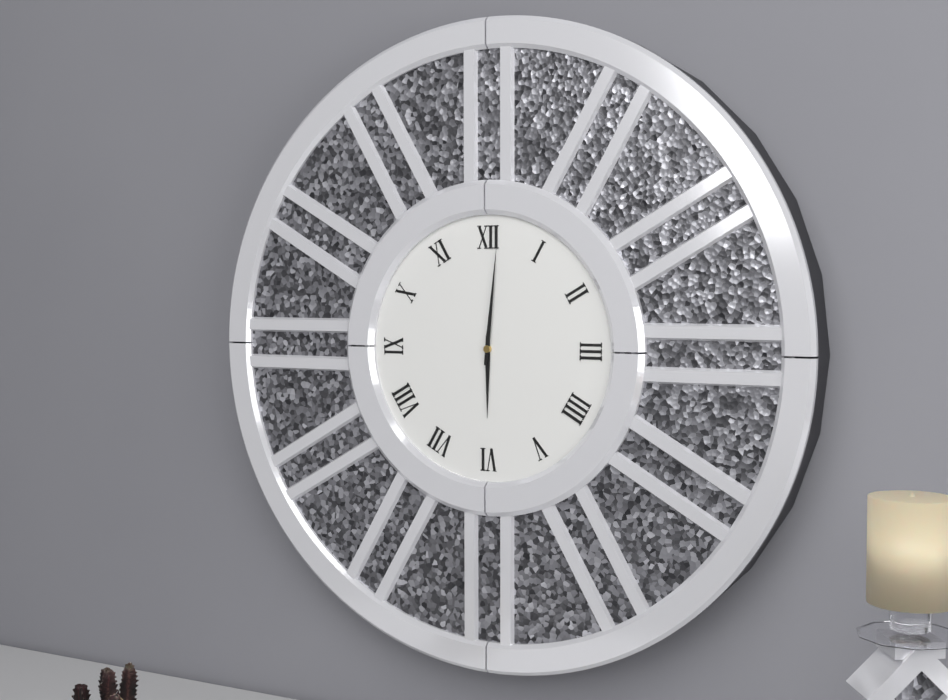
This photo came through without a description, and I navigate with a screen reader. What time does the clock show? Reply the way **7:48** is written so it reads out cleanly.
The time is **6:01**
